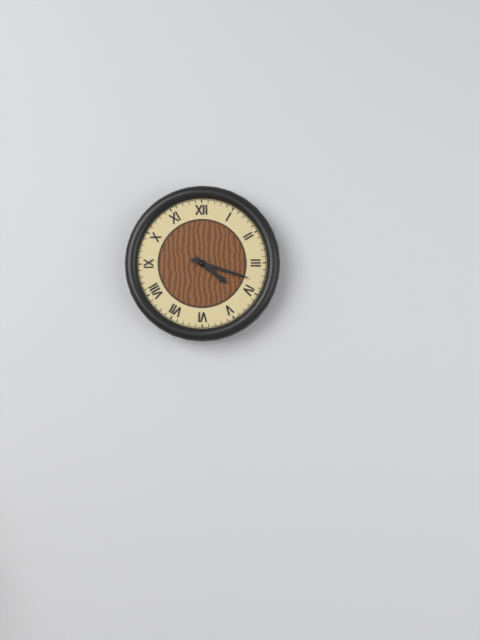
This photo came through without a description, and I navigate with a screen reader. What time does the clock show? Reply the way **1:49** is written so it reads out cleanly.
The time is **4:18**
